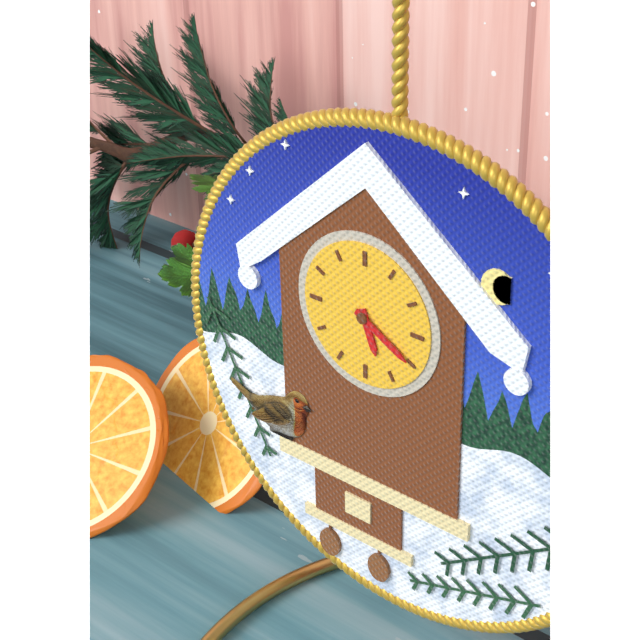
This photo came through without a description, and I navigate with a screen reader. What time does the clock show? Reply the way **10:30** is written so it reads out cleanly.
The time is **5:20**
